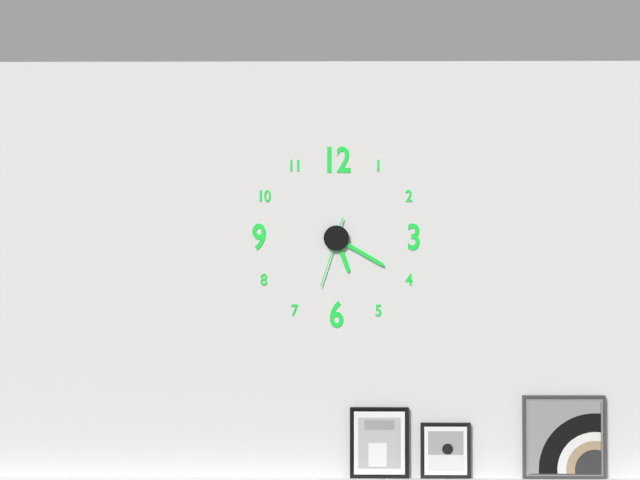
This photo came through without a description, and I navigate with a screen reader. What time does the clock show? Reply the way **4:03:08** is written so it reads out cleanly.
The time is **5:20:33**
